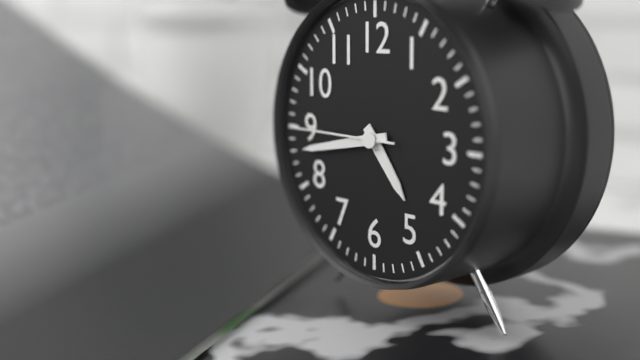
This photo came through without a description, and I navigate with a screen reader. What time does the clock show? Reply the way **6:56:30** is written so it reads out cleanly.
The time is **4:43:45**
